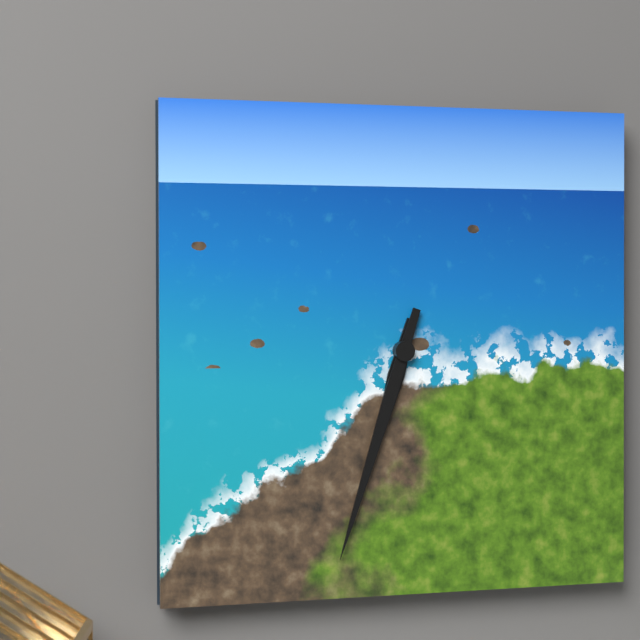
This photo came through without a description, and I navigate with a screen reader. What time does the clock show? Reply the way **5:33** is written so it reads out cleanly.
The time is **6:33**
